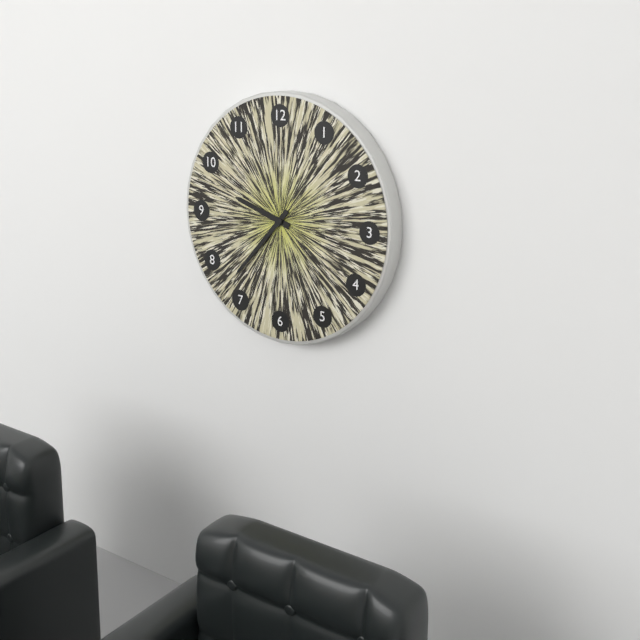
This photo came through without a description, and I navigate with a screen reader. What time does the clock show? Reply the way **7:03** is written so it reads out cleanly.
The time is **9:37**
